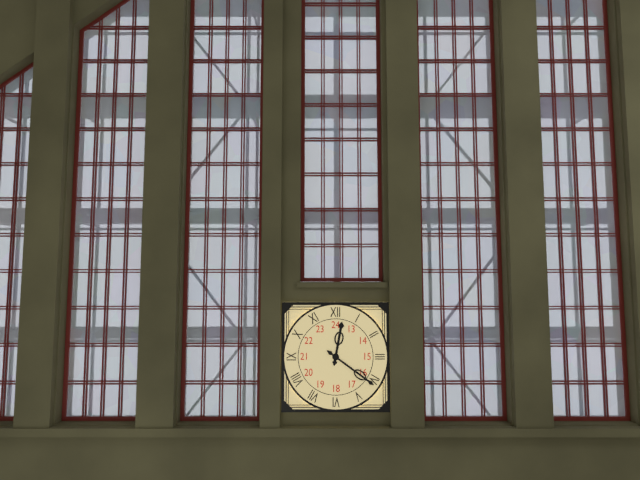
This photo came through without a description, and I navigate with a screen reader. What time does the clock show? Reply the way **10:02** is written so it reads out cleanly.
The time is **12:21**
